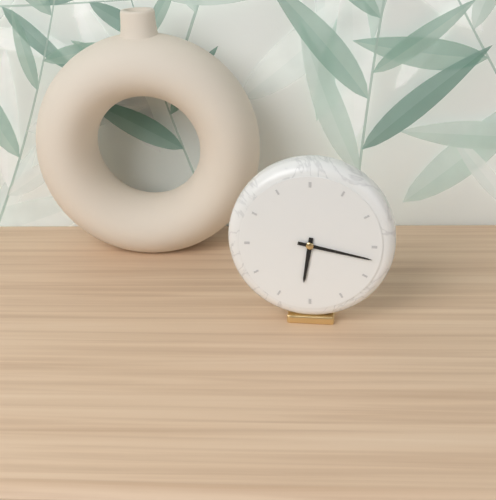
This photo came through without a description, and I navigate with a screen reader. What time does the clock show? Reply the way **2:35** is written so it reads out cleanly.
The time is **6:17**
